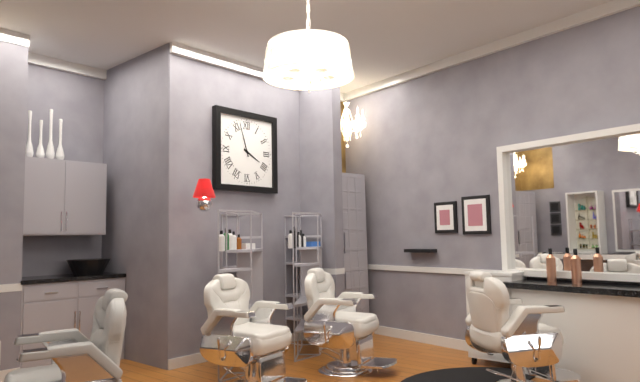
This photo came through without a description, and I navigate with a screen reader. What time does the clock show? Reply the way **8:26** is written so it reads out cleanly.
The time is **3:57**
